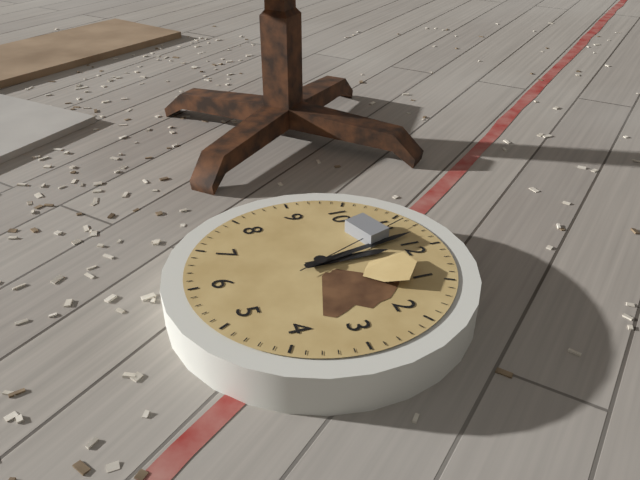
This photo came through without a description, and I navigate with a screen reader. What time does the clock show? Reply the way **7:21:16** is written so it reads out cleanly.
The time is **11:58:56**
